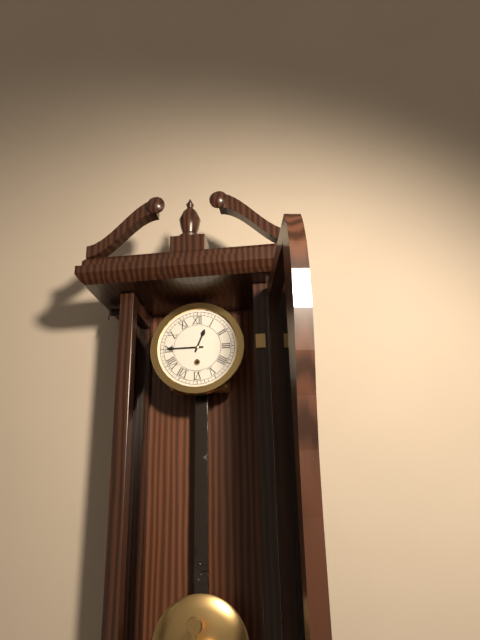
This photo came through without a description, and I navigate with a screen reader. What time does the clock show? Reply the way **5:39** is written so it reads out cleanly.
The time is **12:45**
